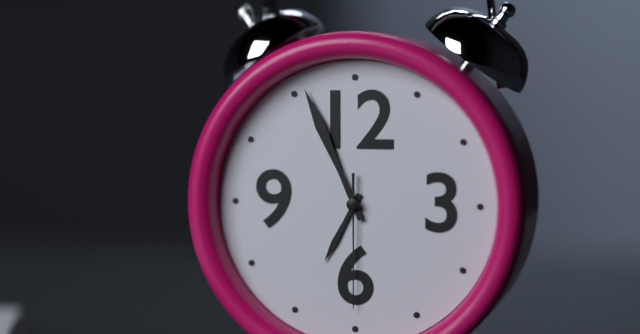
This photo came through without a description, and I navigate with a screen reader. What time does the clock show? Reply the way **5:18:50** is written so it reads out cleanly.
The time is **6:56:30**
